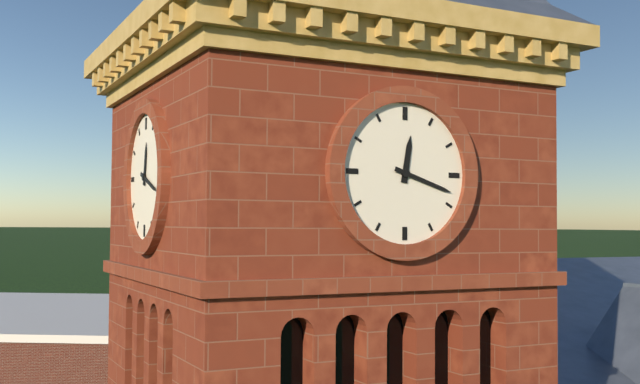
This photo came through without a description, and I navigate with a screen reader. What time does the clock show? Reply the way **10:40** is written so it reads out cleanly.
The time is **12:18**
